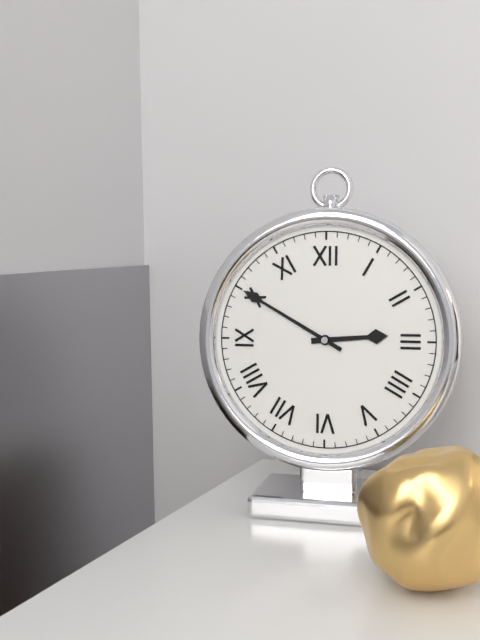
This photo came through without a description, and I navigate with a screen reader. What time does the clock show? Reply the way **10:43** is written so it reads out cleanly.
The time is **2:50**
